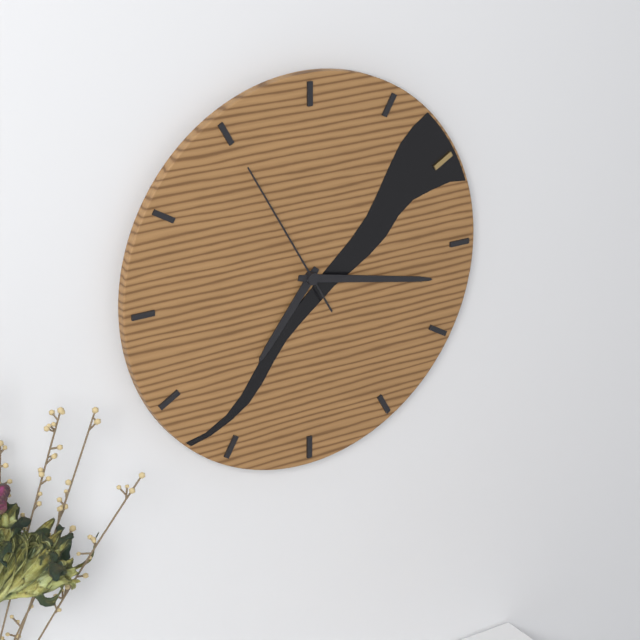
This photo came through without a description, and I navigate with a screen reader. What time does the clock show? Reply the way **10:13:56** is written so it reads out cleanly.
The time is **7:17:55**
